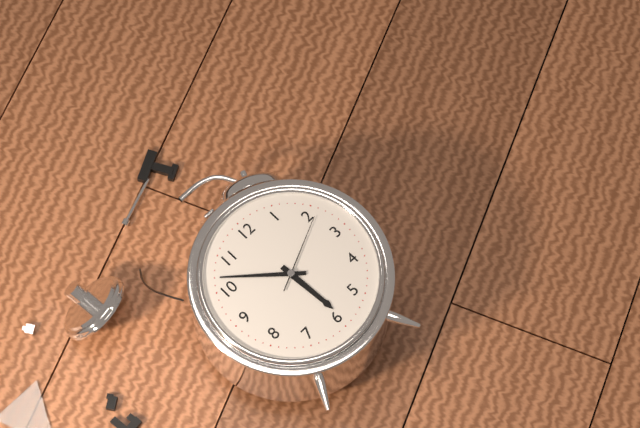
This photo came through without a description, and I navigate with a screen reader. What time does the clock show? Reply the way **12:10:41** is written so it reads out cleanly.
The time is **5:52:11**
